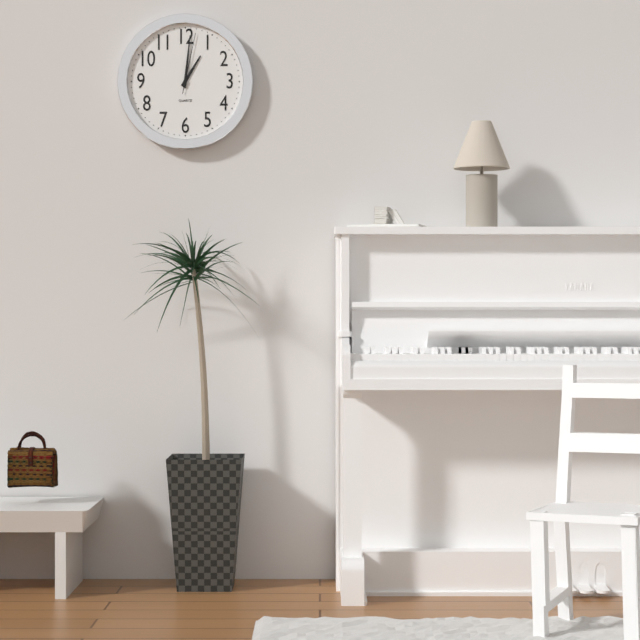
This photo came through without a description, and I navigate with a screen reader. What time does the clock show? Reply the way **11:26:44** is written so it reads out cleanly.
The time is **1:01:02**
